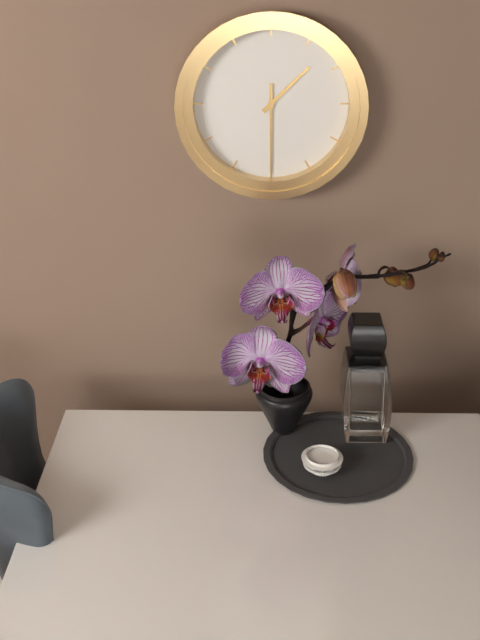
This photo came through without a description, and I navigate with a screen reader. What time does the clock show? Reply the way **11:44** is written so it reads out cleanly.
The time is **1:30**
